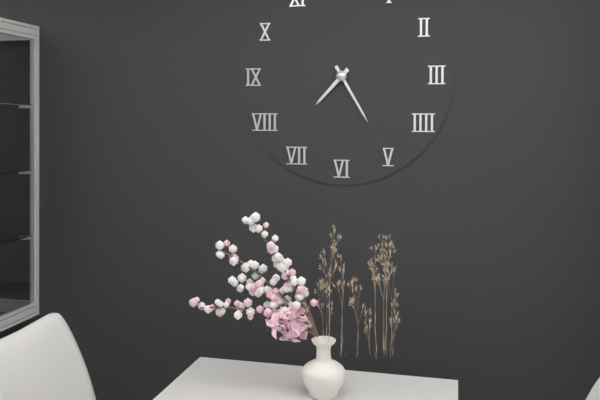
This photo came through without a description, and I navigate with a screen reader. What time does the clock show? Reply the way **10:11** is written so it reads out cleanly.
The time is **7:25**
